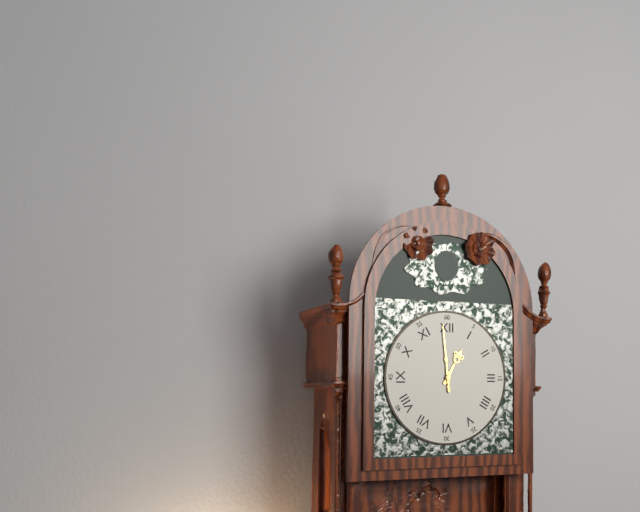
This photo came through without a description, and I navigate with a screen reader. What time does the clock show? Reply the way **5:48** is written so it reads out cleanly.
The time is **12:59**
